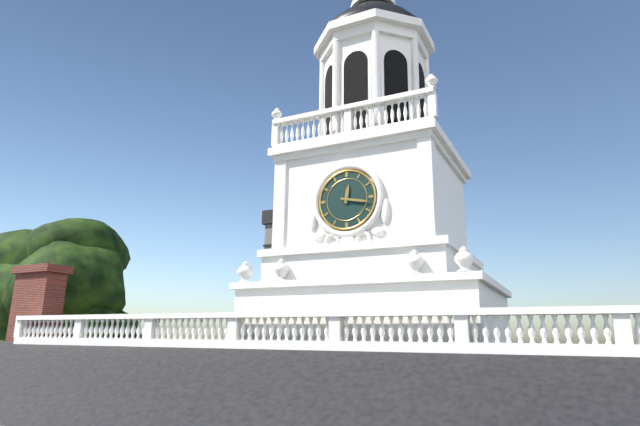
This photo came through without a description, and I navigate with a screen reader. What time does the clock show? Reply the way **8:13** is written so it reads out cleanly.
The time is **12:17**
